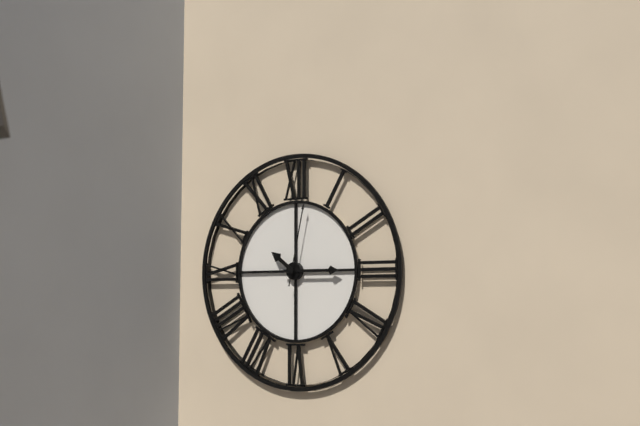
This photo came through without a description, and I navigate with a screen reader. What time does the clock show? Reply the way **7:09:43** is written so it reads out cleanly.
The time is **10:15:02**
